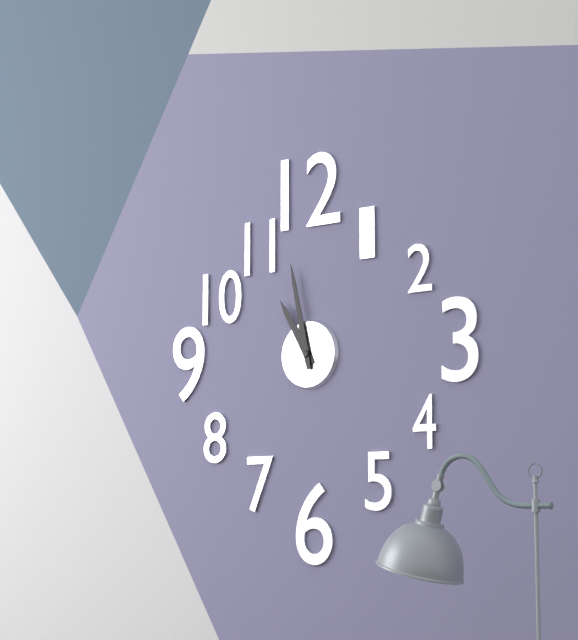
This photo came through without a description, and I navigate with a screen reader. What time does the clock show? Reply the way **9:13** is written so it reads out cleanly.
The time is **10:58**
